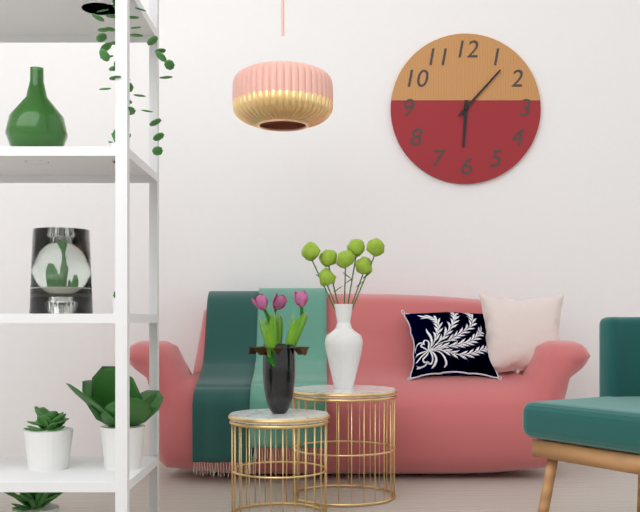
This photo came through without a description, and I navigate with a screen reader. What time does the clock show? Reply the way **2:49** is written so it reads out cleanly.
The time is **6:07**
